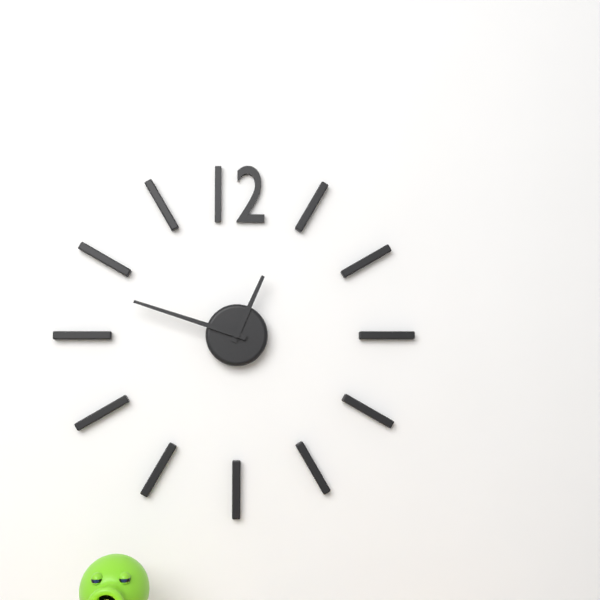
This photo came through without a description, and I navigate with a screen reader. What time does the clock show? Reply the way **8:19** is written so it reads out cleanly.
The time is **12:48**
